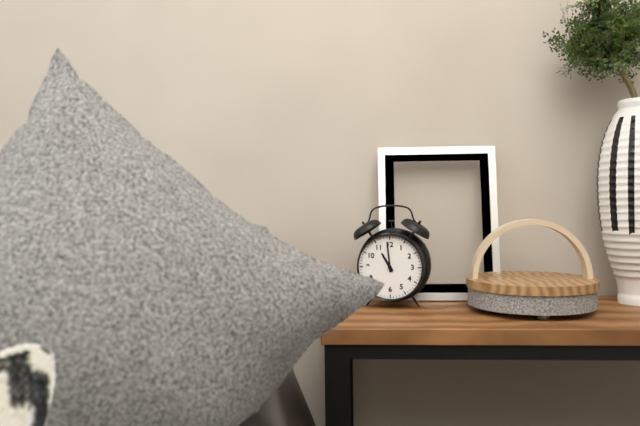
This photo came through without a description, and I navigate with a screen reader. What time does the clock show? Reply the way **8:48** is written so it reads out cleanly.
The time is **10:59**
